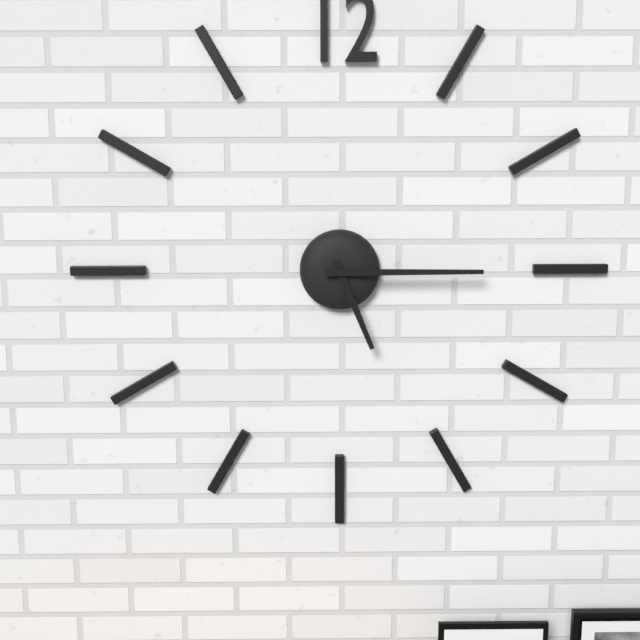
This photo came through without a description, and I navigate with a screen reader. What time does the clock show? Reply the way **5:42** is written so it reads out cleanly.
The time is **5:15**
